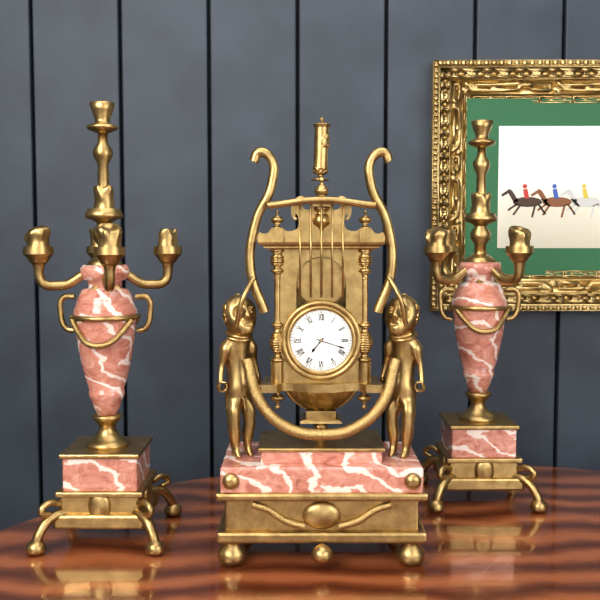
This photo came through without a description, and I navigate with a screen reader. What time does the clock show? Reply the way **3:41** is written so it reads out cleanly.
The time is **7:18**
